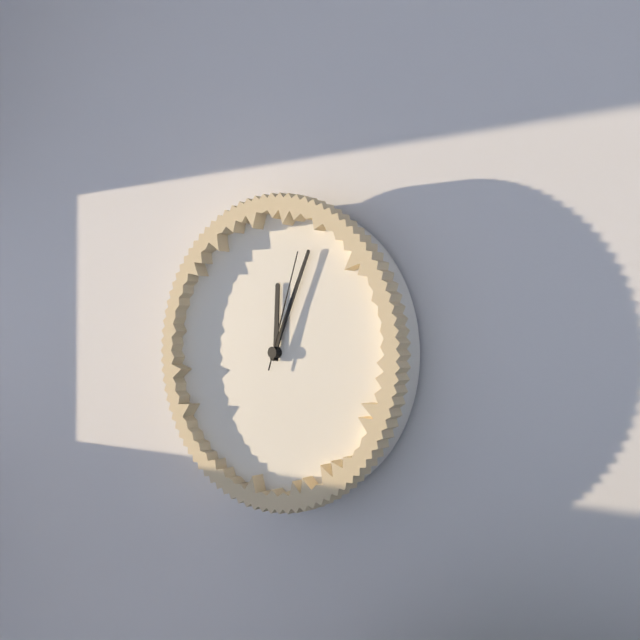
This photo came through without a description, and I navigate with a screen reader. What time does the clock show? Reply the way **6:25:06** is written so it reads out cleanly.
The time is **12:04:03**
